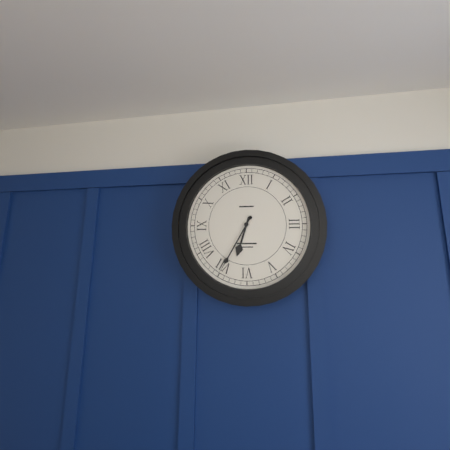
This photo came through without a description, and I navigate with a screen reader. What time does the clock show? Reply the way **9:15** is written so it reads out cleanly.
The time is **6:35**
